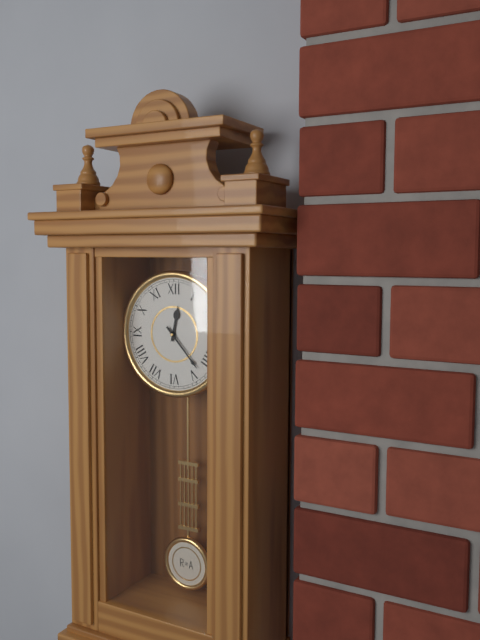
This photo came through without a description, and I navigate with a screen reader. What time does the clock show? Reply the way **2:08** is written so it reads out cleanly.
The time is **12:23**
